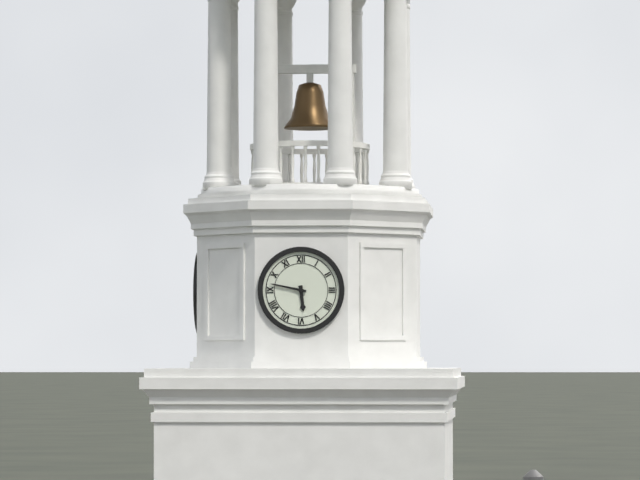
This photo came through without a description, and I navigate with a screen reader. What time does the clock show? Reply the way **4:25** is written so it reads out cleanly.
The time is **5:47**
